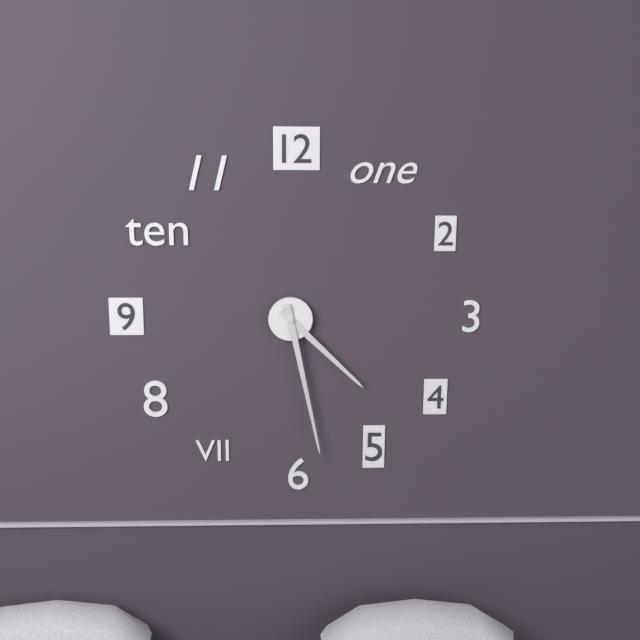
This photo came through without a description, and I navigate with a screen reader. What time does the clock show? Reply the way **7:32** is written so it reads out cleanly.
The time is **4:28**
